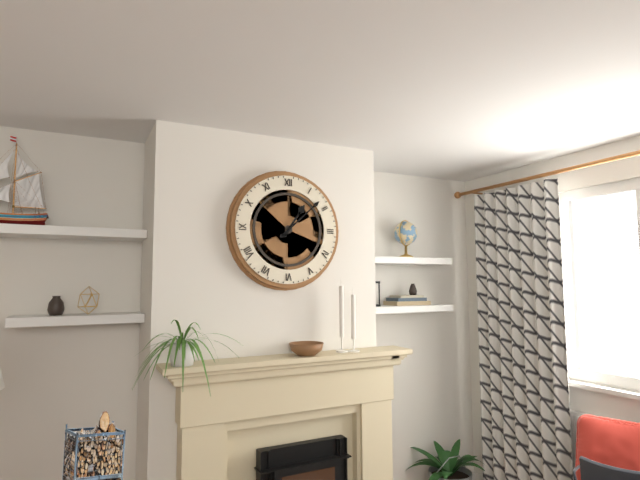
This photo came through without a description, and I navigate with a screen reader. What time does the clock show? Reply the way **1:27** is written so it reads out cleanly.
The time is **1:08**
